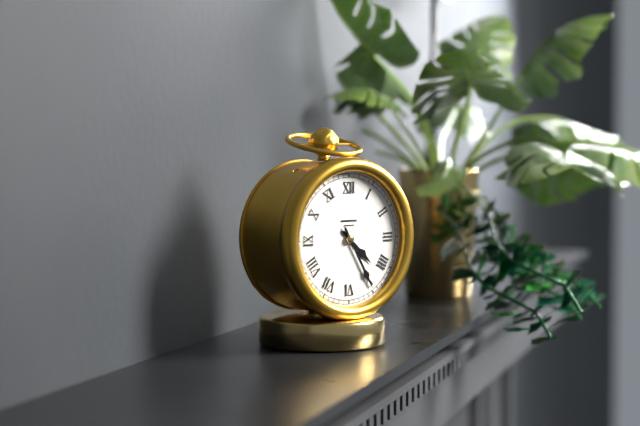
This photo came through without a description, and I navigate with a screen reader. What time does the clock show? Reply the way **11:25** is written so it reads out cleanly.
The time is **4:25**
